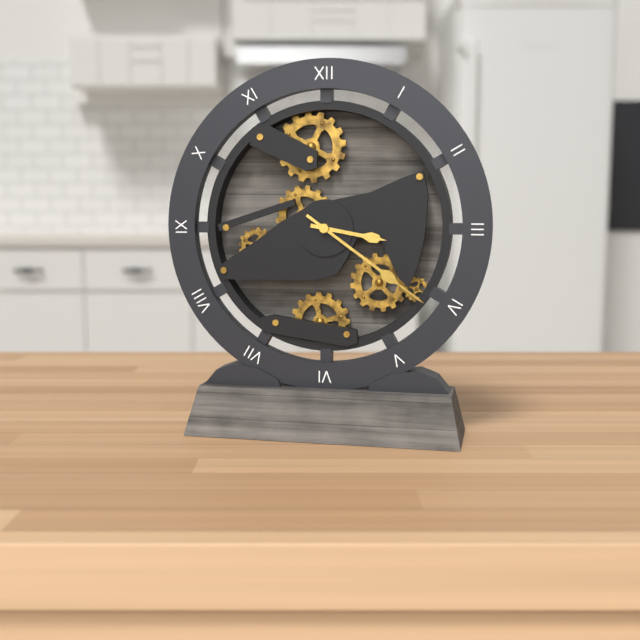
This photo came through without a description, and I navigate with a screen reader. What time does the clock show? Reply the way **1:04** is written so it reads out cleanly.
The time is **3:21**
